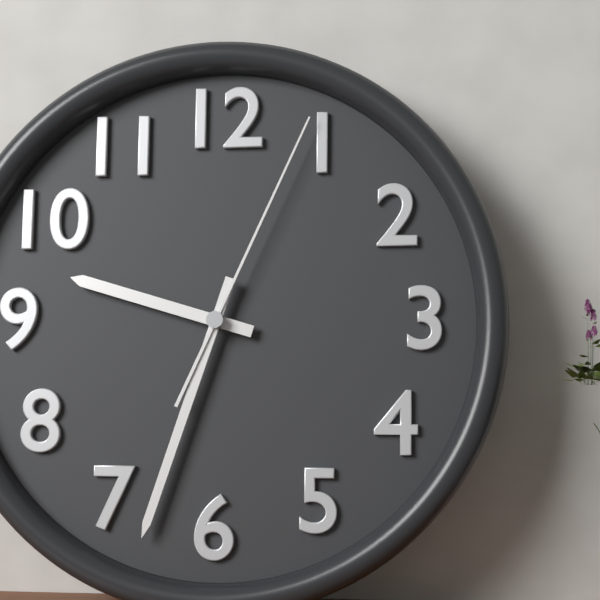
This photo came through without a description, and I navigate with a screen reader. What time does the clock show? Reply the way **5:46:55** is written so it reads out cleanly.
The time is **9:33:04**
